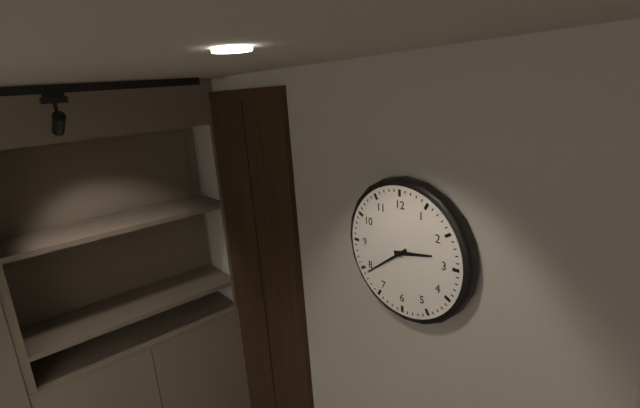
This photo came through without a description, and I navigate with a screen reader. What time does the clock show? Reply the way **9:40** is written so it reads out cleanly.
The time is **2:39**
